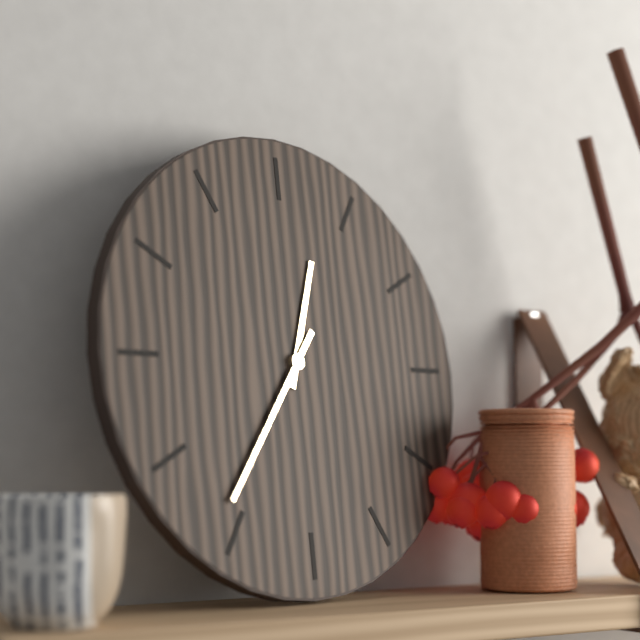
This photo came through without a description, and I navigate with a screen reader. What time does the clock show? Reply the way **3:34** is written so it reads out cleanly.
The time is **12:36**
